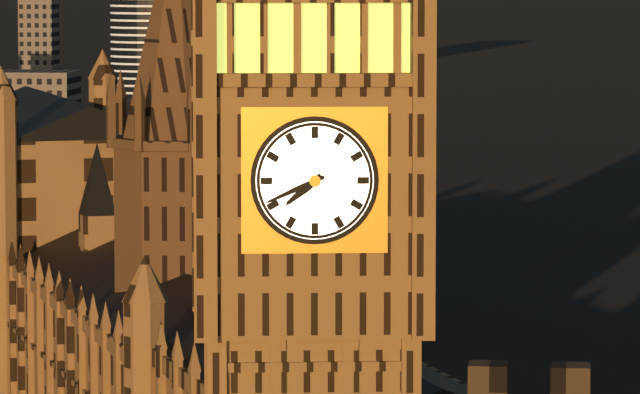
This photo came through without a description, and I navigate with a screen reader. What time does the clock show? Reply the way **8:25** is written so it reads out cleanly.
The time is **7:41**
